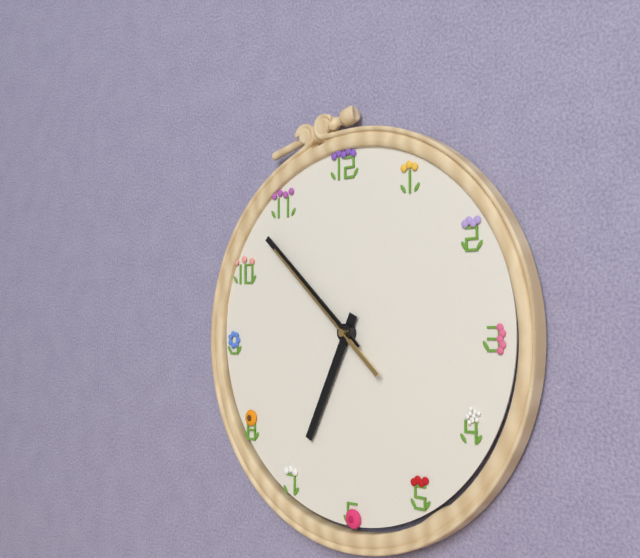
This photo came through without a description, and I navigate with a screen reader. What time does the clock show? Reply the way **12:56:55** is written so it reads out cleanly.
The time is **6:52:52**
